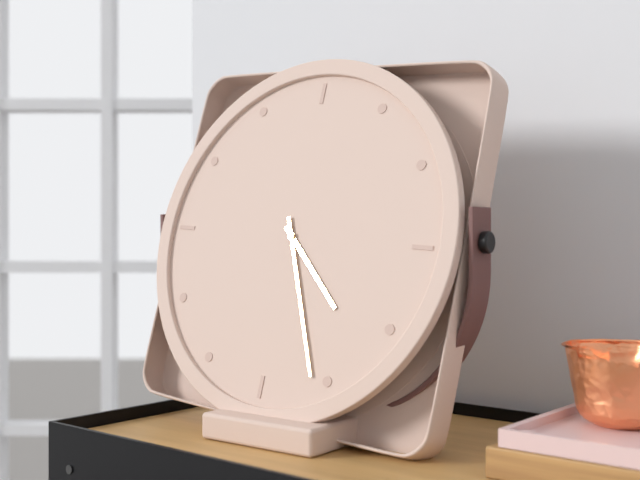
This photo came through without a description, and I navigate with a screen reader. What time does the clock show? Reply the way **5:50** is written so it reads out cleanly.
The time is **4:26**
